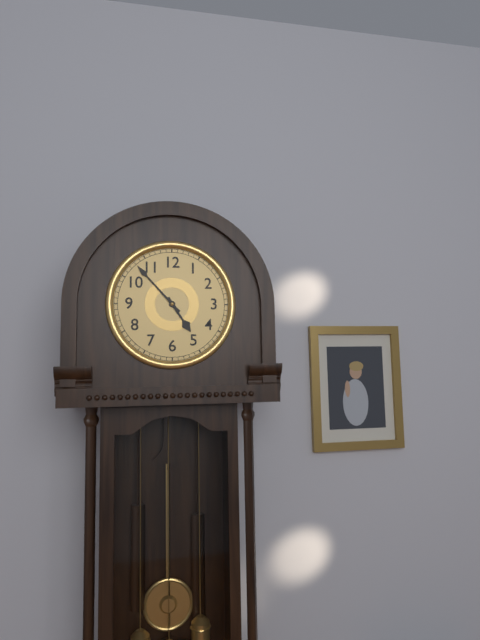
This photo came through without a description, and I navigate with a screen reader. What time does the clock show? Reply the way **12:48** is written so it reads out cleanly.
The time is **4:53**
